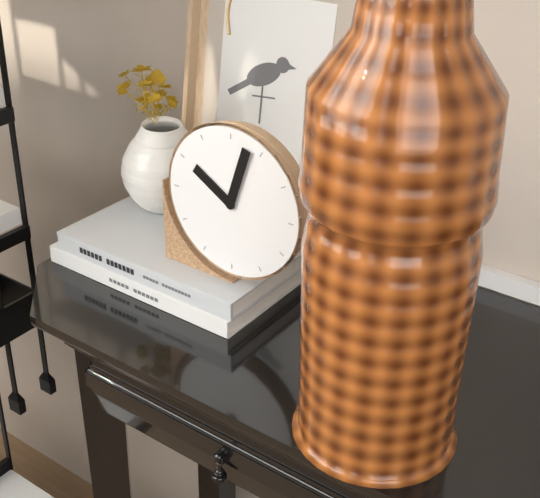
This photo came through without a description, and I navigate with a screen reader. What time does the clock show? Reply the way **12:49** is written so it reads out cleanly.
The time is **10:03**
